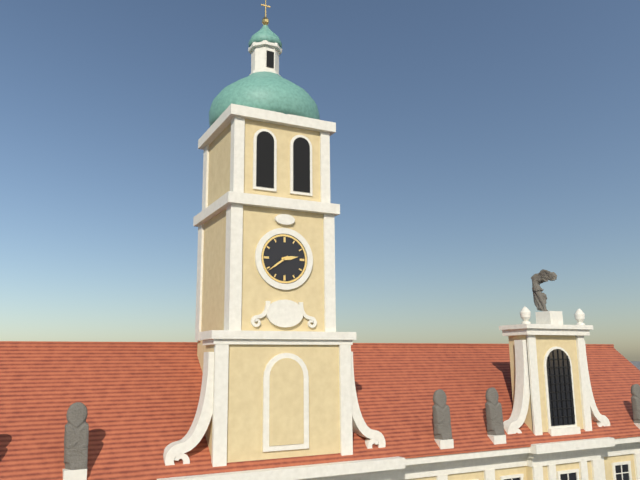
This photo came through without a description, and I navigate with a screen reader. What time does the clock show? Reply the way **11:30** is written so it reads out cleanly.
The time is **2:39**
